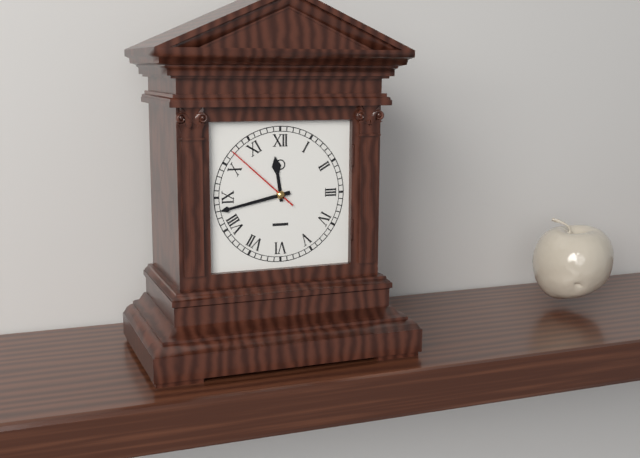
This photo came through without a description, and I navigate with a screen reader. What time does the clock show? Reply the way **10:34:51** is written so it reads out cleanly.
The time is **11:43:52**
